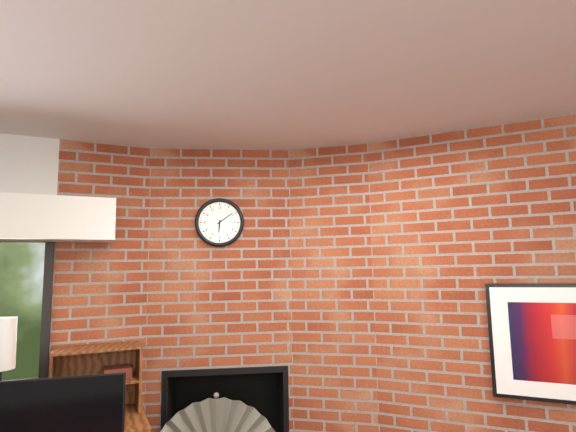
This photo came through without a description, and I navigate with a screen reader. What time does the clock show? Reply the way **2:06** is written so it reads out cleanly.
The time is **6:09**
